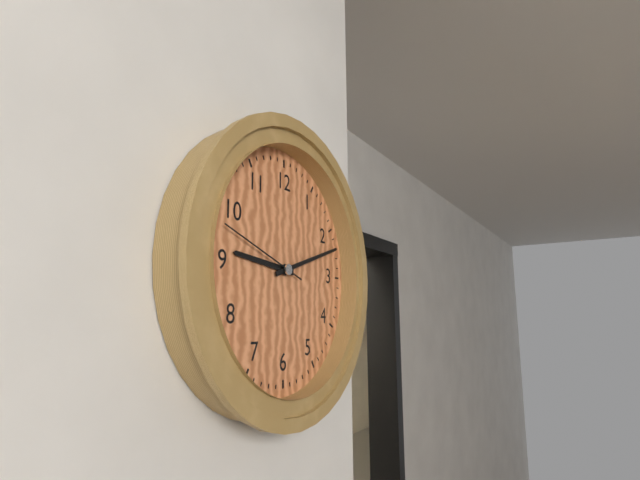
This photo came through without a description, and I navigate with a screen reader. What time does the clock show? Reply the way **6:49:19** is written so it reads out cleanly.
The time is **9:12:48**
